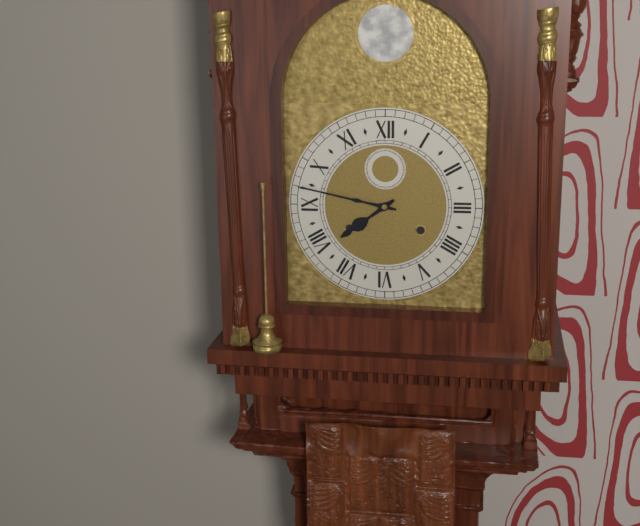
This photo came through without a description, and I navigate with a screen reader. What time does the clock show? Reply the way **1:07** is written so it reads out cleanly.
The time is **7:47**
